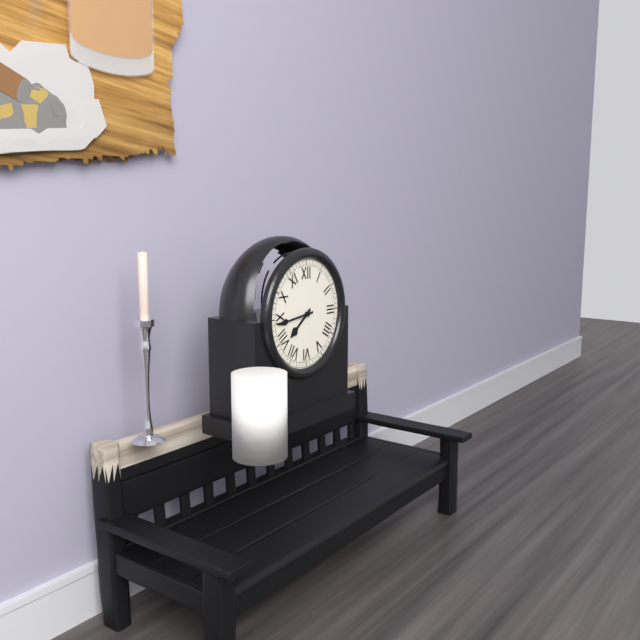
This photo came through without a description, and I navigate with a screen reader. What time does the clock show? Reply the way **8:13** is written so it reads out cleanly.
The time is **7:44**
